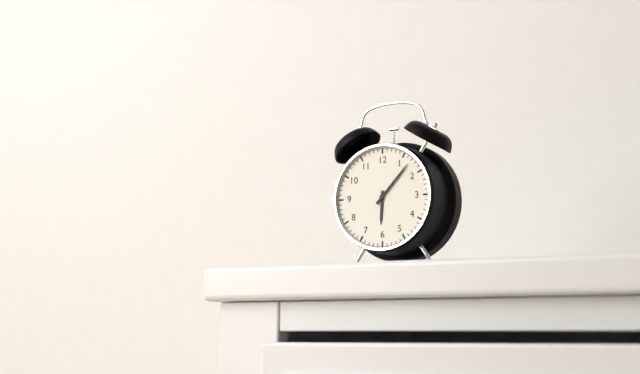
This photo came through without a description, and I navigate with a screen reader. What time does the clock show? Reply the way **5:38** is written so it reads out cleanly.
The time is **6:07**
